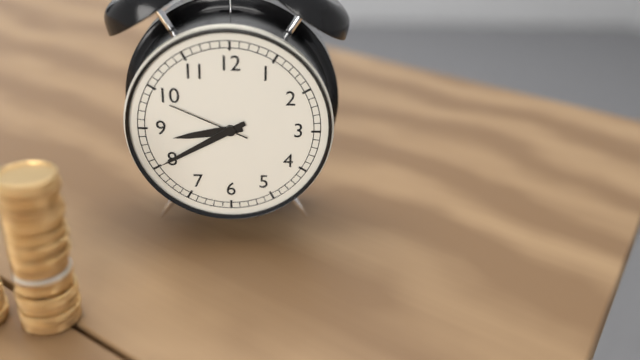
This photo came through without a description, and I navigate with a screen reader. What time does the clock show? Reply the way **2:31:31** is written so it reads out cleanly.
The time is **8:40:49**
